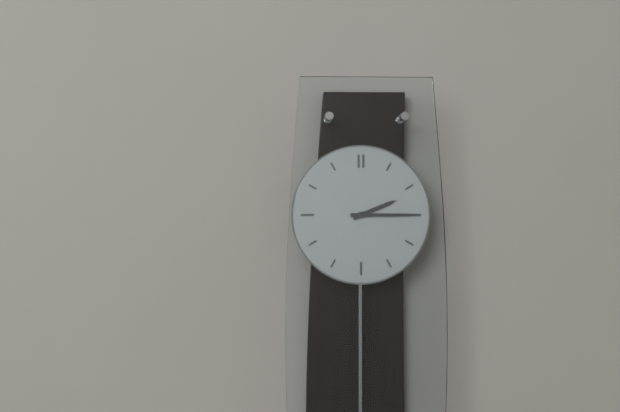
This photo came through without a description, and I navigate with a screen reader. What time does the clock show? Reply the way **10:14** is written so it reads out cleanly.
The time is **2:15**
